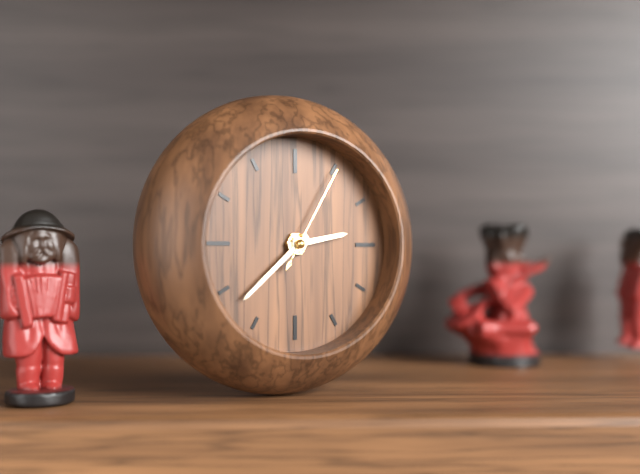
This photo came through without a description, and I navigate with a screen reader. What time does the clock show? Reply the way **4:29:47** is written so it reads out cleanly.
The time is **2:38:05**
